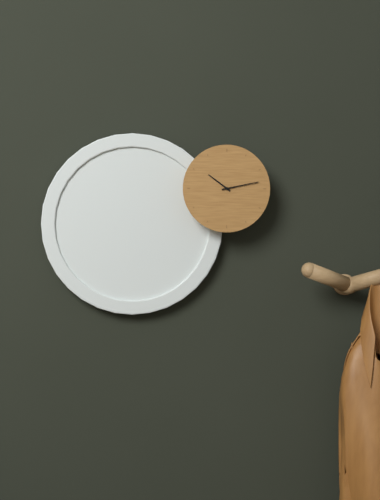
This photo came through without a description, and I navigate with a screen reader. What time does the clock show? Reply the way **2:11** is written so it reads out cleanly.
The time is **10:13**
